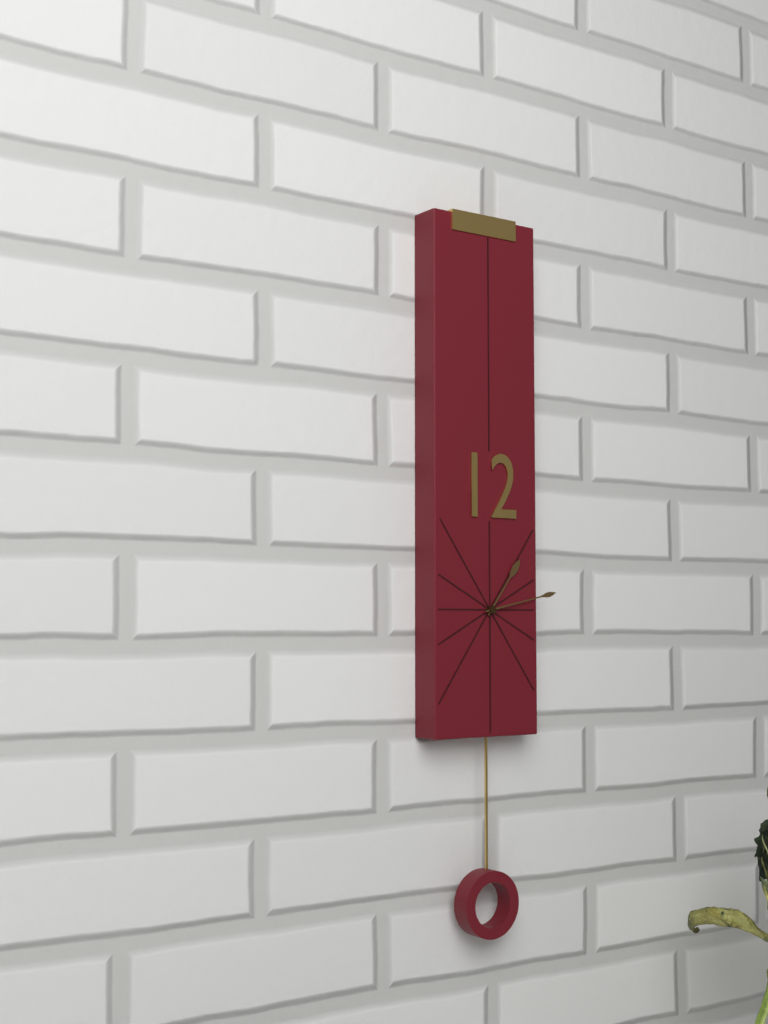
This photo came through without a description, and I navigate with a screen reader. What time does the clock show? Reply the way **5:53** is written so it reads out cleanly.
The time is **1:13**
